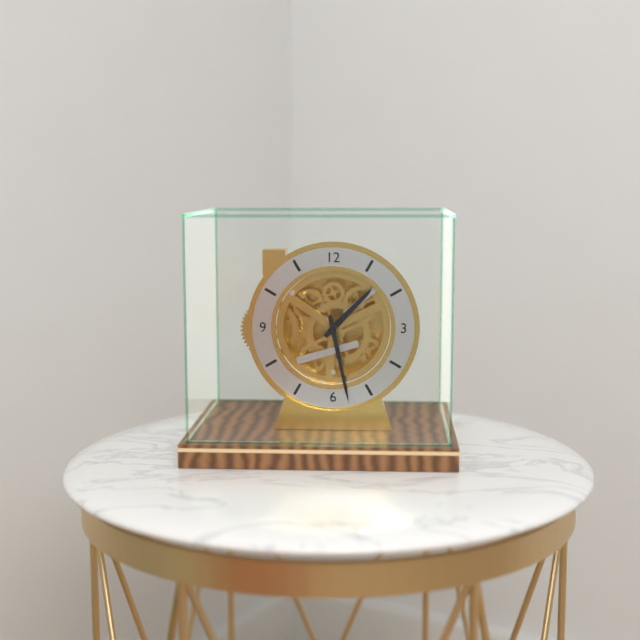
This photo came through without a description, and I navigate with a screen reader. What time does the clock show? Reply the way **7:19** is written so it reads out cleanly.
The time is **1:28**
